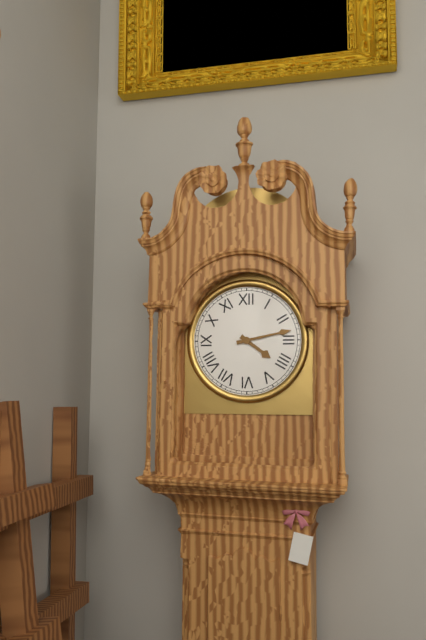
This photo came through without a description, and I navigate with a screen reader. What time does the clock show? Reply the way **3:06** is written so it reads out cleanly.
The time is **4:13**
